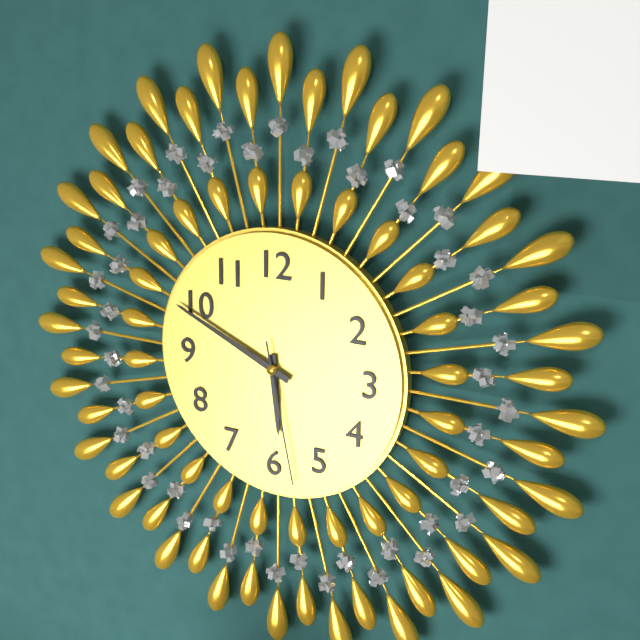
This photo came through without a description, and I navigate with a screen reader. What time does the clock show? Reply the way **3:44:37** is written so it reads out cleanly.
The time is **5:49:28**
